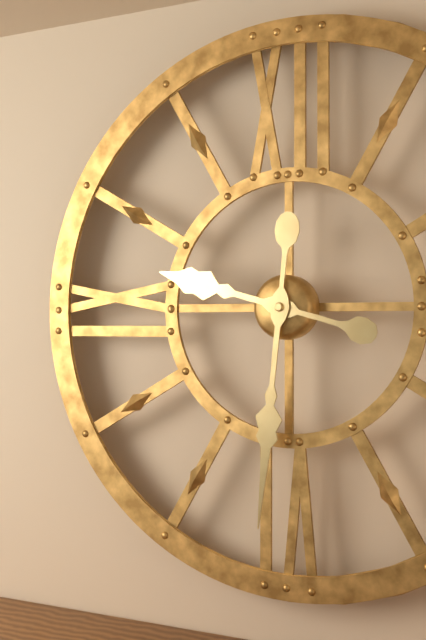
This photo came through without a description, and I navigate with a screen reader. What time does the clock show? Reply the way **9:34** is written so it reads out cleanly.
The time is **9:31**
